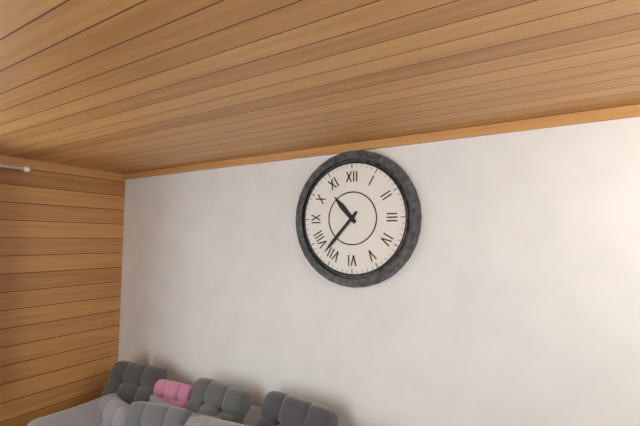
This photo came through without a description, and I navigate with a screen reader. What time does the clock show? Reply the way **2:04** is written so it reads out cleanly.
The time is **10:37**
